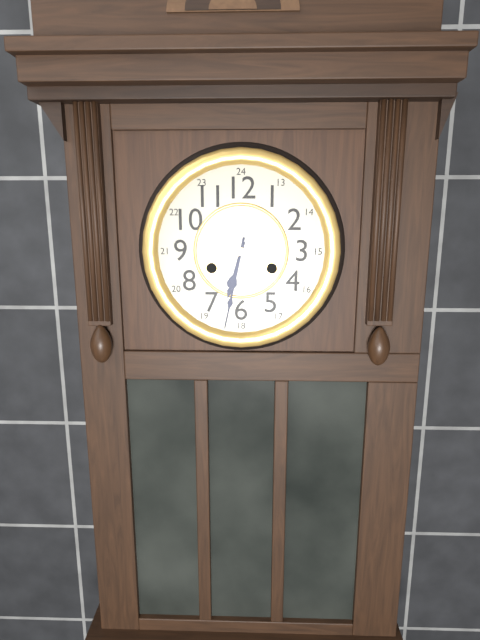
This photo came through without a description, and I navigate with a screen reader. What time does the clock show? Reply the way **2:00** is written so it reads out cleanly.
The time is **6:32**
